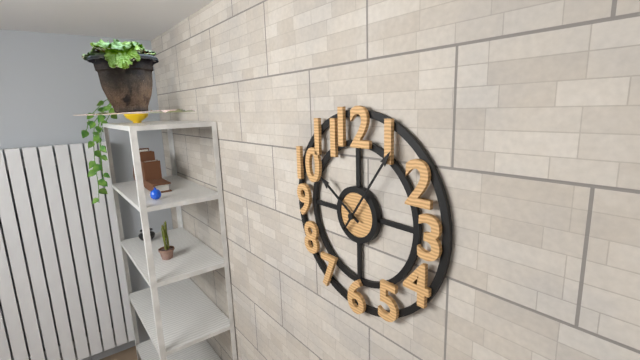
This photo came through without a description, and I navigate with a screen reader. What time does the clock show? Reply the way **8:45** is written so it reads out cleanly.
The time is **10:06**
